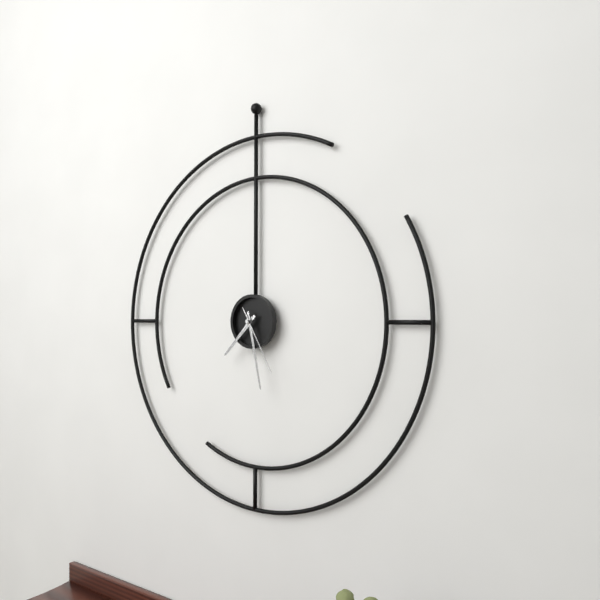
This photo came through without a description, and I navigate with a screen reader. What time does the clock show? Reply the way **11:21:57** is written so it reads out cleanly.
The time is **7:28:25**
